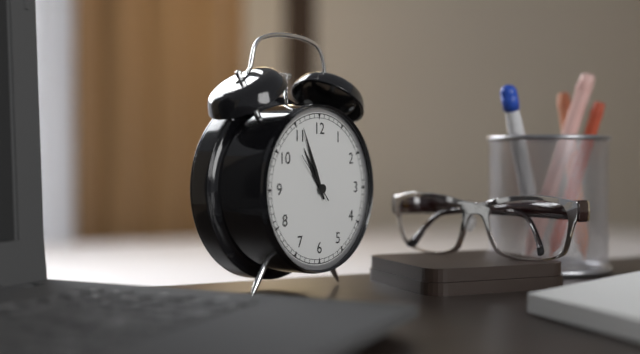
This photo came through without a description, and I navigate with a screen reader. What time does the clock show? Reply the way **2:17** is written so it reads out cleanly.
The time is **10:56**
